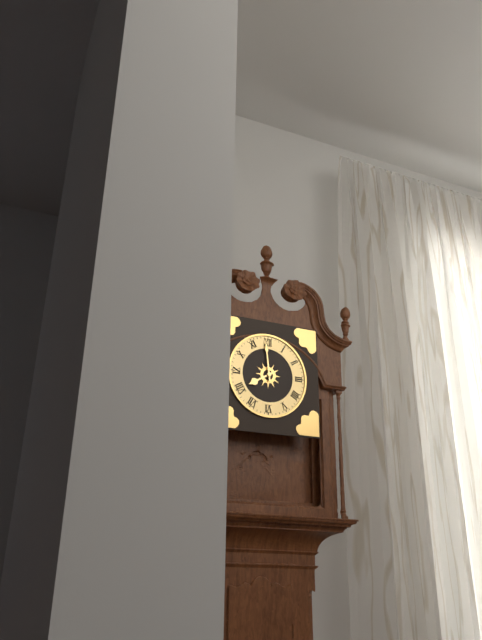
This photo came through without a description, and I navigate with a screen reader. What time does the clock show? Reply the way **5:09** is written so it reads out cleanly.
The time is **7:59**
